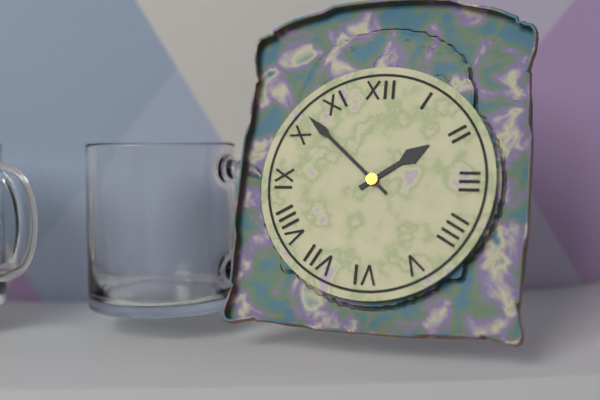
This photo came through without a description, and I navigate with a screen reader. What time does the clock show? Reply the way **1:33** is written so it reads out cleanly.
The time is **1:52**
